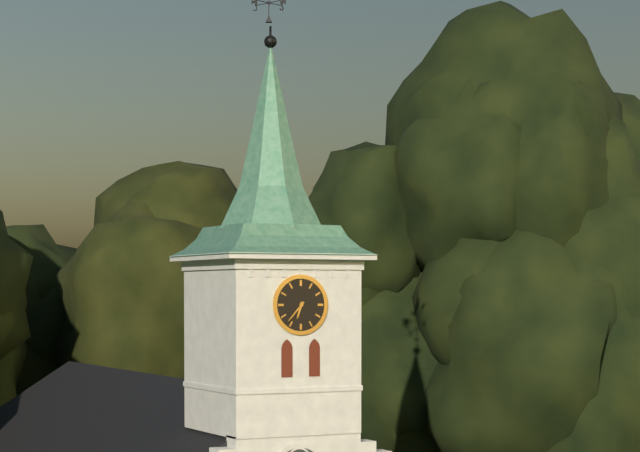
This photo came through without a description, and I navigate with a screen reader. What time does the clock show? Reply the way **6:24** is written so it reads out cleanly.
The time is **6:37**
